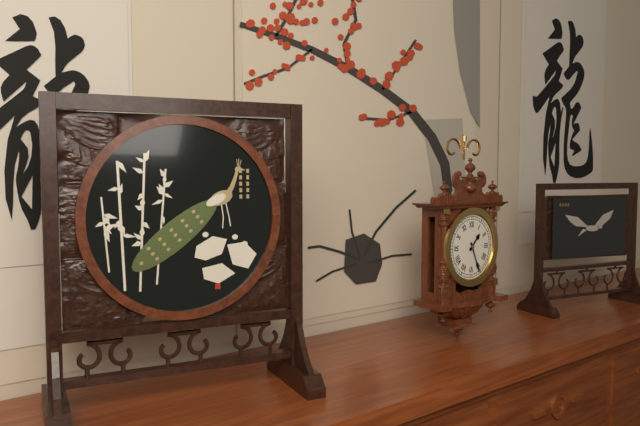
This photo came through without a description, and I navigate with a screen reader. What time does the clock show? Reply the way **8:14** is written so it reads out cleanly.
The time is **1:26**
